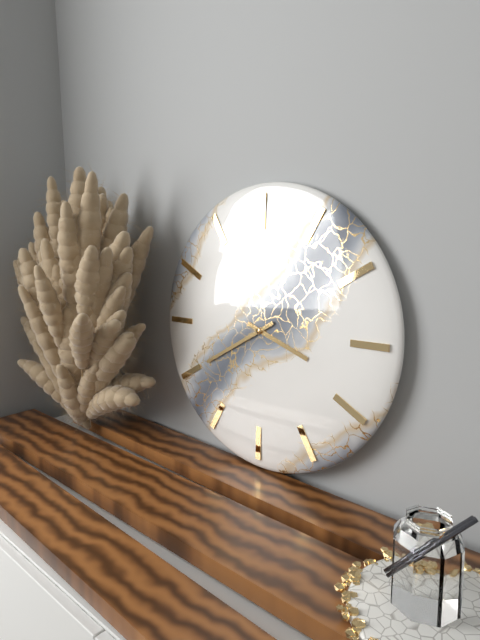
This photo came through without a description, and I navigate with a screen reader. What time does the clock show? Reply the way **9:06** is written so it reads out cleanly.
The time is **3:40**
